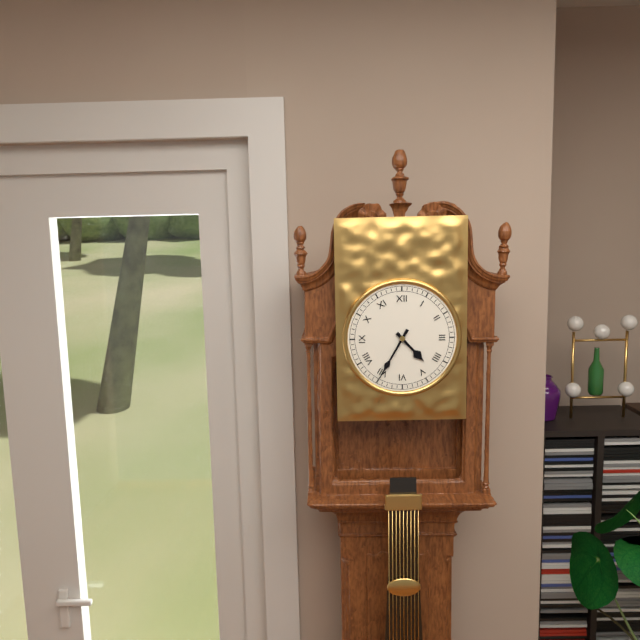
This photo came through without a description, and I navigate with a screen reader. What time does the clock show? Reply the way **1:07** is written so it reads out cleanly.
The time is **4:35**
